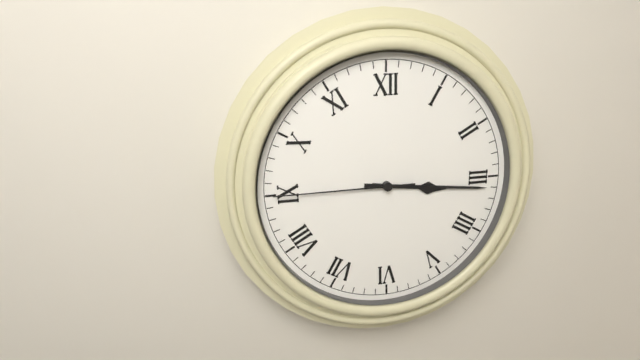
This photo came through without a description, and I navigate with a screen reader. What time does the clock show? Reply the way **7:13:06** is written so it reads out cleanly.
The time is **3:16:45**
